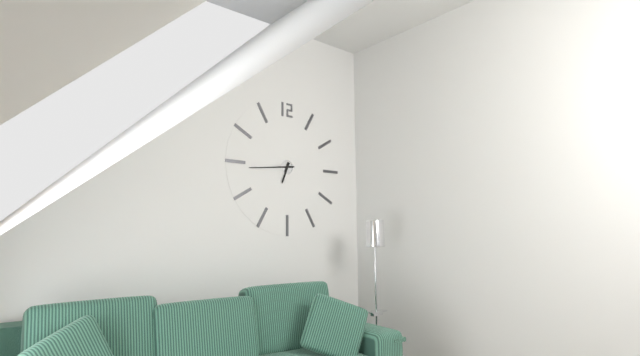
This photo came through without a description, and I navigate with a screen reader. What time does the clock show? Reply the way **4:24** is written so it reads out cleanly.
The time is **6:44**
